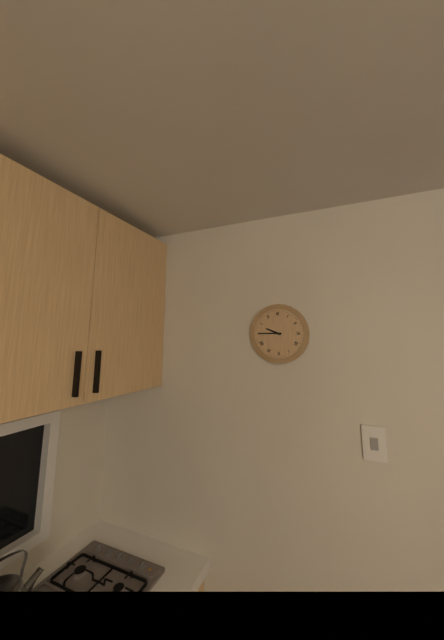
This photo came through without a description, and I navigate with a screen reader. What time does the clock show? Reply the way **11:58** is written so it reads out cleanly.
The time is **9:45**
